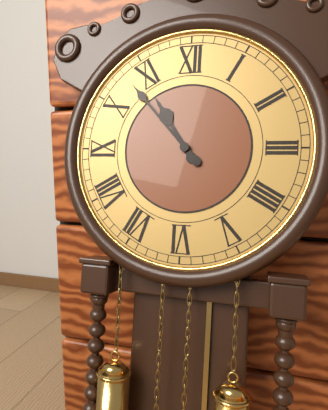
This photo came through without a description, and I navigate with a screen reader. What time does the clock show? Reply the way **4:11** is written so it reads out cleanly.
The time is **10:53**
